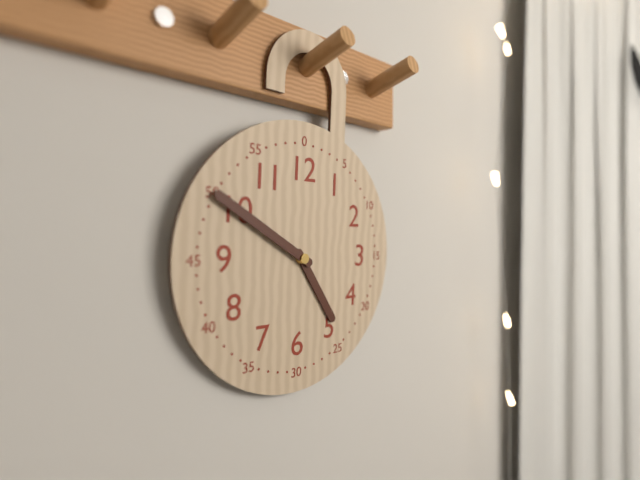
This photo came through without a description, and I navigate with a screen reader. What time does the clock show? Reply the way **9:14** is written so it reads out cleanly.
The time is **4:50**
